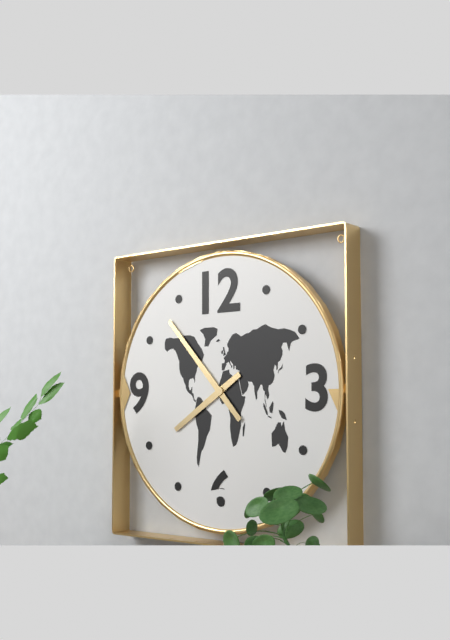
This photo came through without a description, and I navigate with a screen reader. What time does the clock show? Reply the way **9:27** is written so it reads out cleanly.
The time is **7:53**
